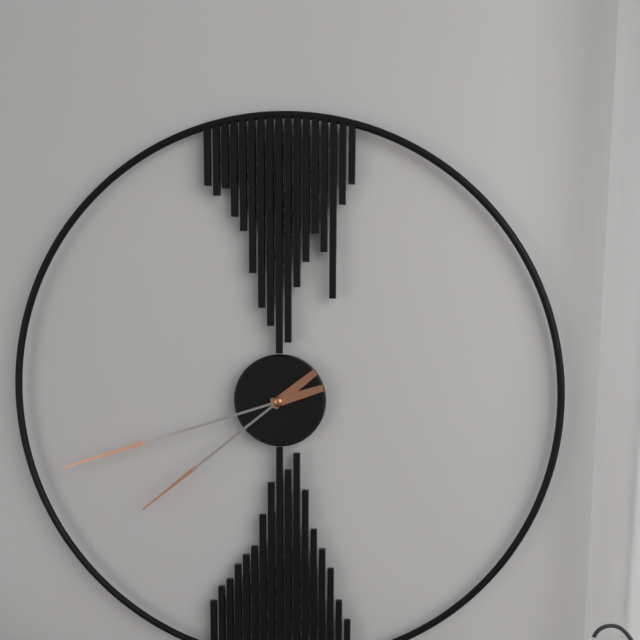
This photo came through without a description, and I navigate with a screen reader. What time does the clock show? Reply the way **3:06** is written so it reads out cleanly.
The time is **7:42**
